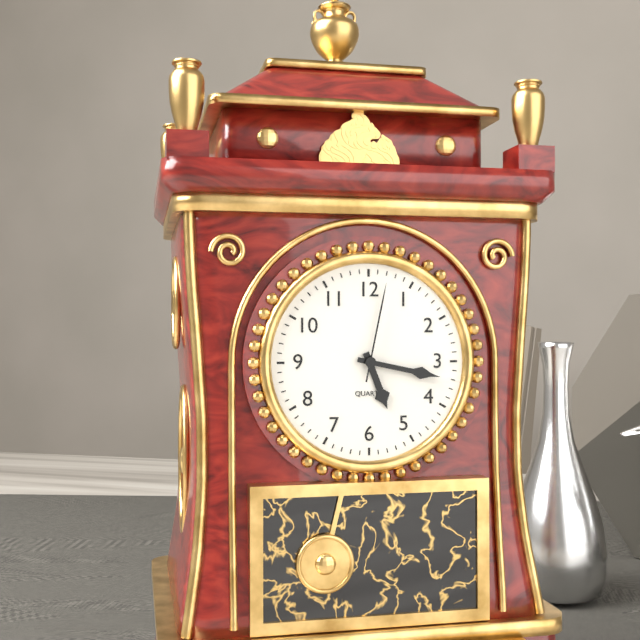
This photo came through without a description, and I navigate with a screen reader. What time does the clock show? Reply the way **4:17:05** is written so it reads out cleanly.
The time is **5:17:02**
